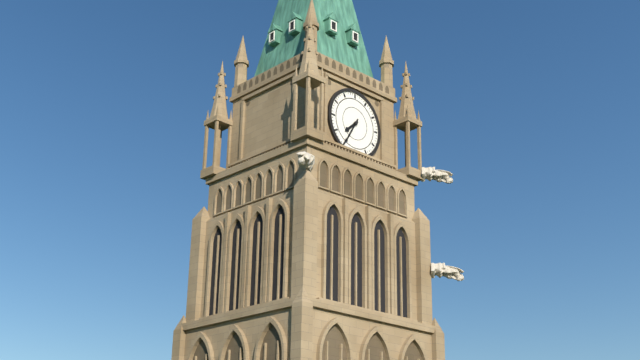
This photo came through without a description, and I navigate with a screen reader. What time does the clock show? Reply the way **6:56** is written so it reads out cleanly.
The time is **7:35**
